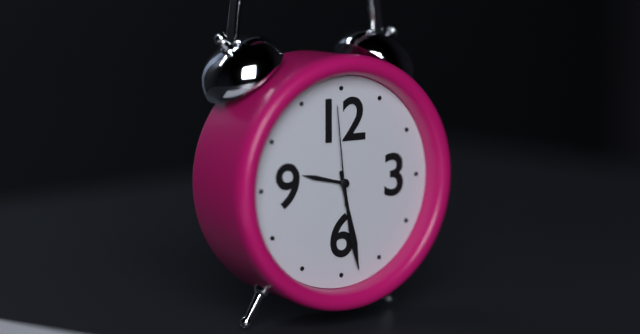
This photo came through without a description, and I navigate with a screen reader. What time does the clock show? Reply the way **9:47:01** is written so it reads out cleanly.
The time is **9:28:59**
